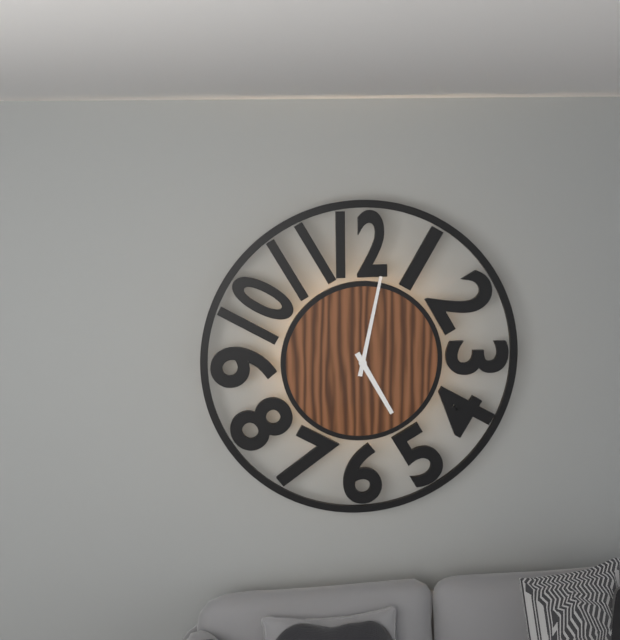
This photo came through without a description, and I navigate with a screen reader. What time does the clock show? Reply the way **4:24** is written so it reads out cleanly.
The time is **5:02**
